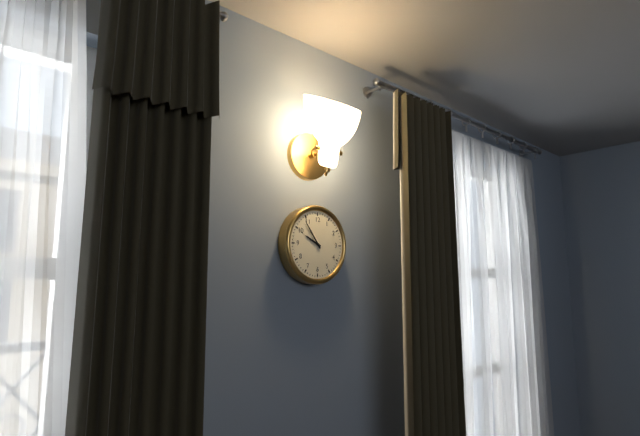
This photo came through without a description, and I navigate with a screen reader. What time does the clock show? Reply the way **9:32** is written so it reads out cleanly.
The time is **9:54**
